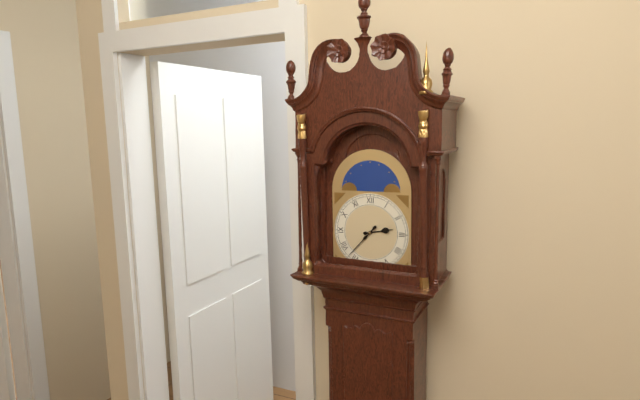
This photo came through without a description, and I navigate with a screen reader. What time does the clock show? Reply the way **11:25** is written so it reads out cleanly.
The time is **2:37**
